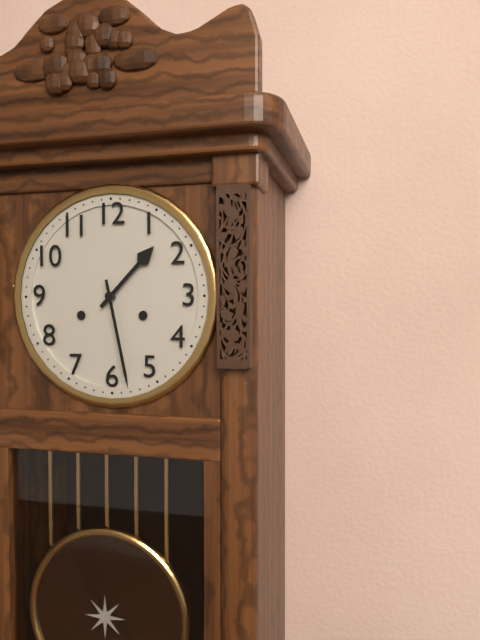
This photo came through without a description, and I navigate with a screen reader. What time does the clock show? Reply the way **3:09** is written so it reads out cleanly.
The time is **1:28**
